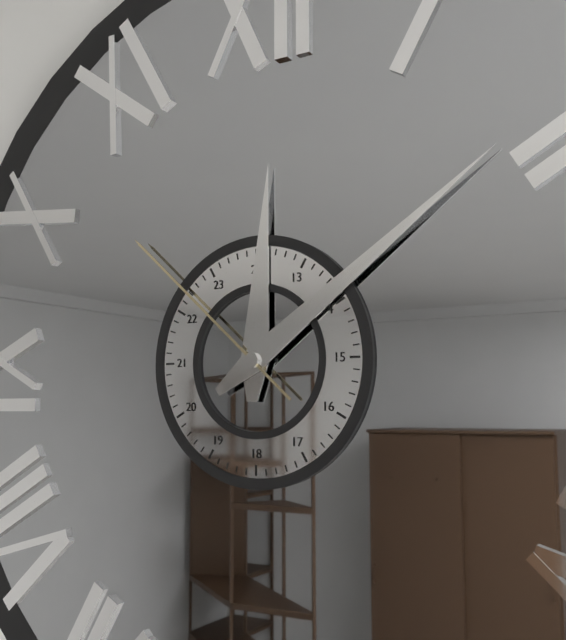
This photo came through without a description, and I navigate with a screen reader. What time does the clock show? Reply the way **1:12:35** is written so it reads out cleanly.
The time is **12:09:52**
